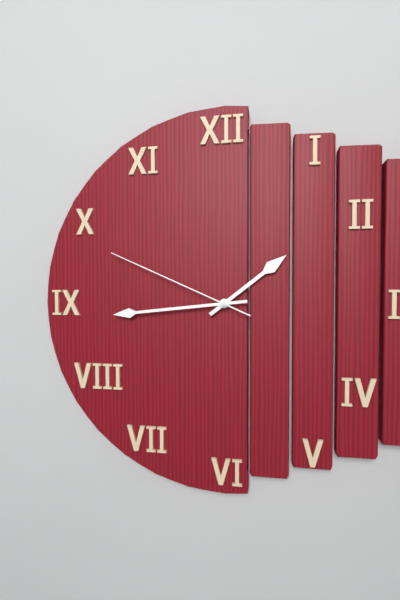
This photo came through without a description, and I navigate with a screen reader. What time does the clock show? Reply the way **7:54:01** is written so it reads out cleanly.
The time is **1:44:49**
